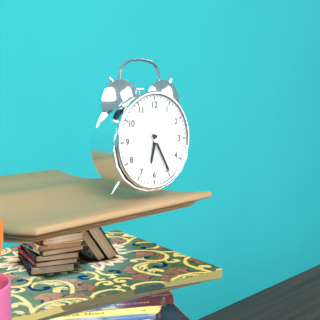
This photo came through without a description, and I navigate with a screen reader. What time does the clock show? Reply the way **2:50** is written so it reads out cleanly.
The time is **6:25**
